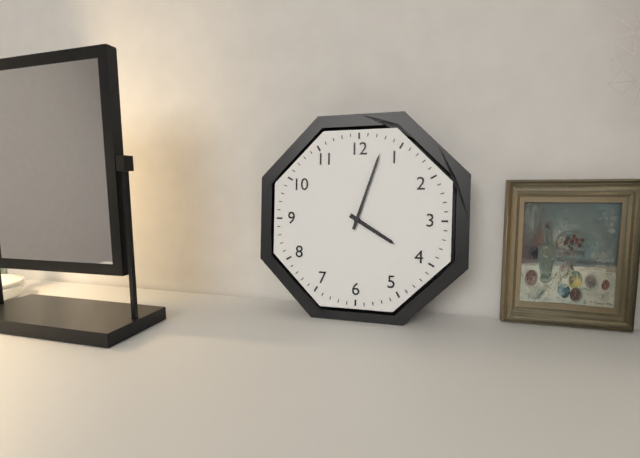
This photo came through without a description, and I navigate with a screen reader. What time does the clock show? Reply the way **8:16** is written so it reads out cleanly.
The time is **4:03**
